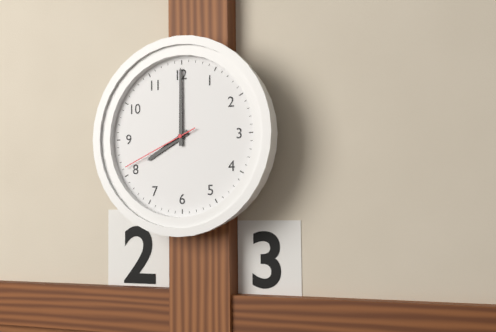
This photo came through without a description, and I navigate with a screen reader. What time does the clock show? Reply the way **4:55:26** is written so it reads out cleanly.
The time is **8:00:41**
